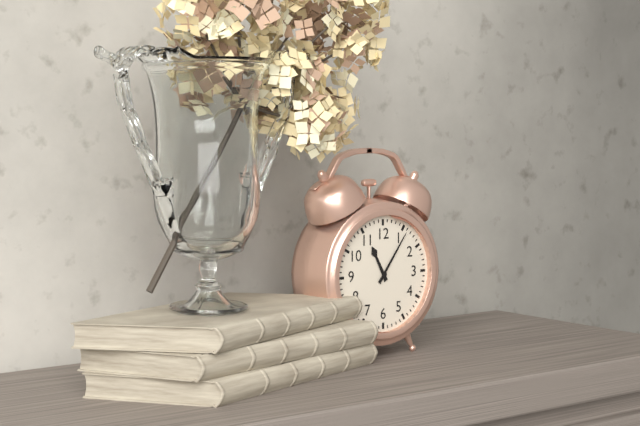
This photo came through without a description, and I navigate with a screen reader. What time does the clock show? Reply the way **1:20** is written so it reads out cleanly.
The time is **11:06**
